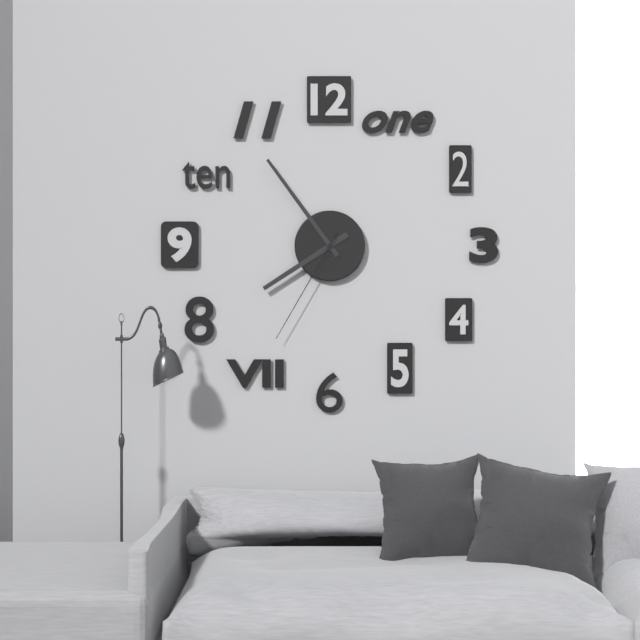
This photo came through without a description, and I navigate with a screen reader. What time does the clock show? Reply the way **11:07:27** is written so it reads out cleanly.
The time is **7:54:35**
